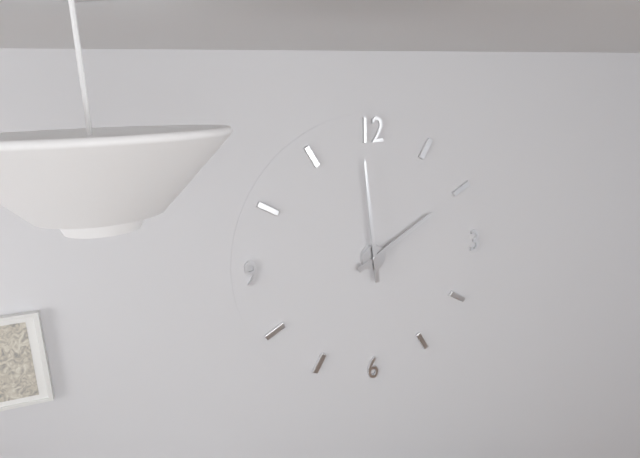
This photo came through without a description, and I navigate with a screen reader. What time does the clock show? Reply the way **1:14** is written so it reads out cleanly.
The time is **1:59**
